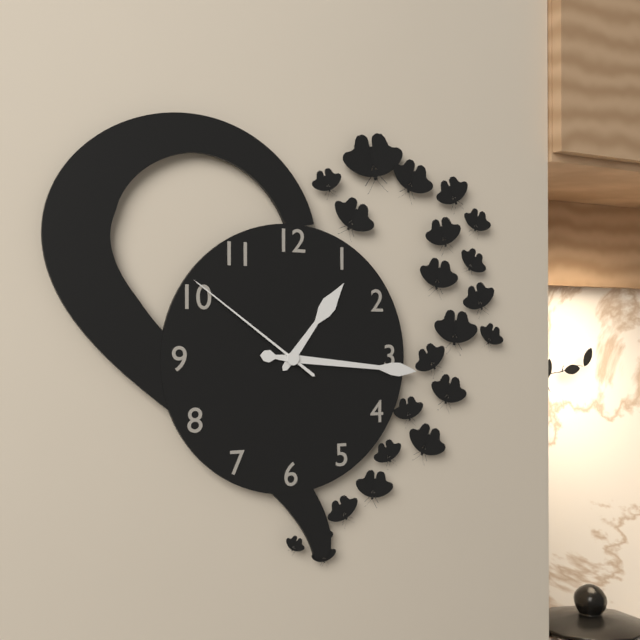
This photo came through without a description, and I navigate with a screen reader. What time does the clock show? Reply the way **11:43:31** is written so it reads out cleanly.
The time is **1:16:51**
